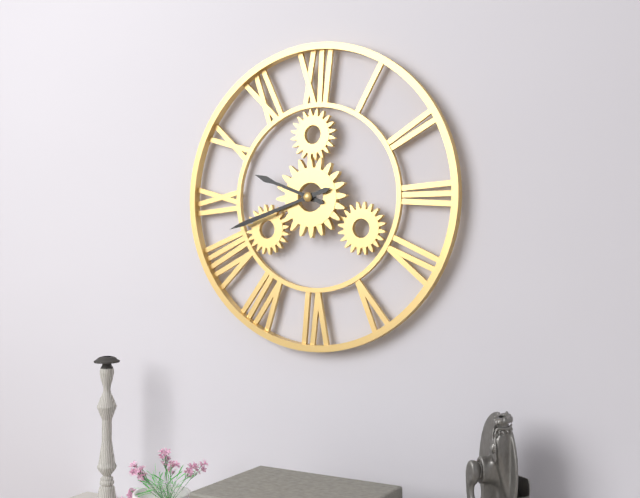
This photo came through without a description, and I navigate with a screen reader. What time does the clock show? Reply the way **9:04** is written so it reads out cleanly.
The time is **9:42**
